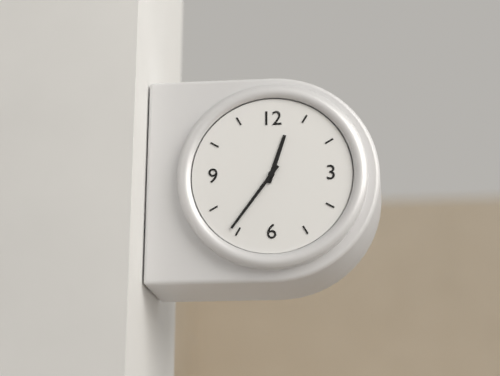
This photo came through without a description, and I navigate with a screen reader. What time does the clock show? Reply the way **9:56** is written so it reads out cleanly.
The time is **12:36**
